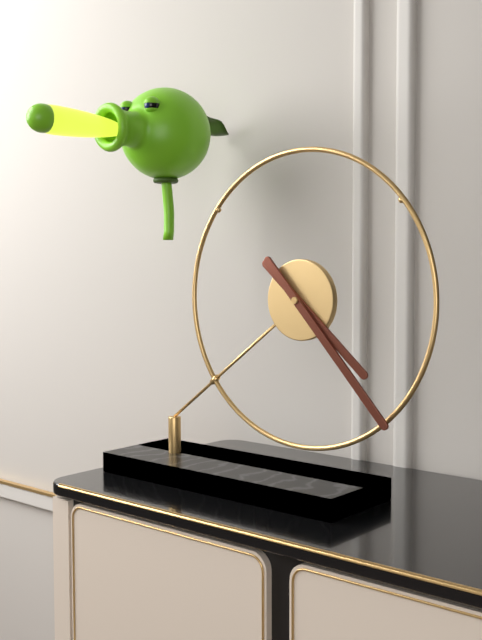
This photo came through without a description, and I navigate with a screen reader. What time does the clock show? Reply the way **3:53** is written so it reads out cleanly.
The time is **4:23**
